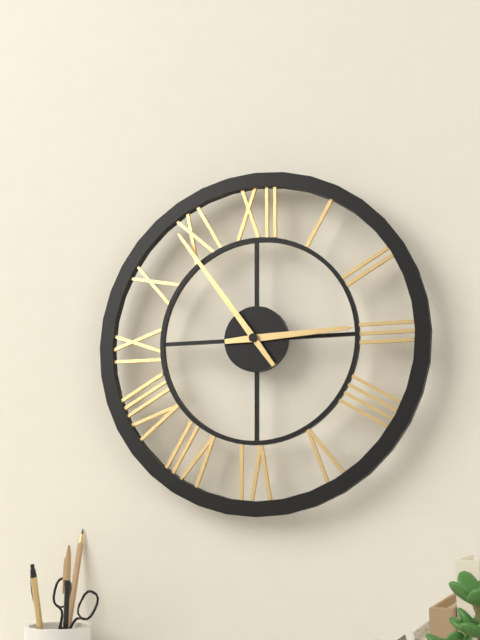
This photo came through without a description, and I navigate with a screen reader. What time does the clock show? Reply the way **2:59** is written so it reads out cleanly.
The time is **2:54**
